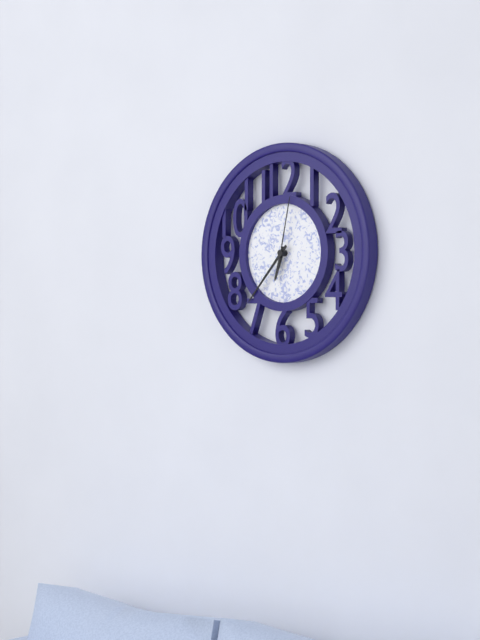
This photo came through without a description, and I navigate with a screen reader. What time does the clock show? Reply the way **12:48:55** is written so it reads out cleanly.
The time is **6:37:02**
